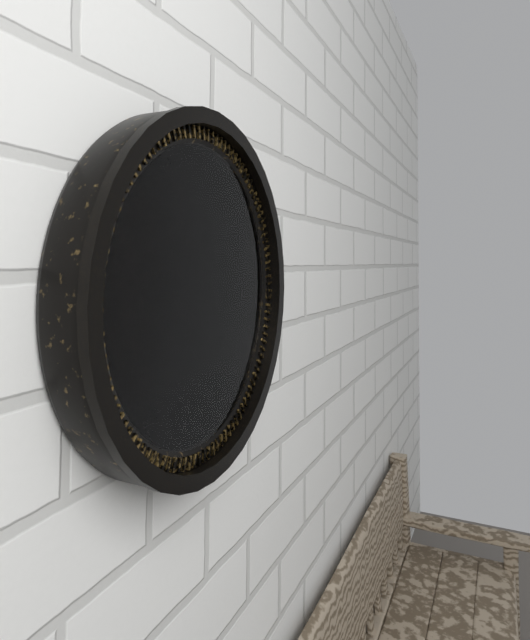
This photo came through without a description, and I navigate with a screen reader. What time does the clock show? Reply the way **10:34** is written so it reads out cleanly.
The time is **11:07**
